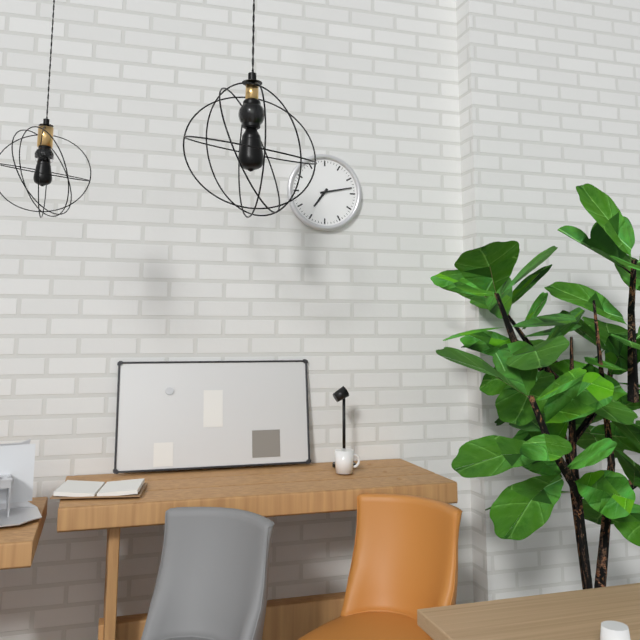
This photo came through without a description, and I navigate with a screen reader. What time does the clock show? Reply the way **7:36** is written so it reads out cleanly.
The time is **7:13**
